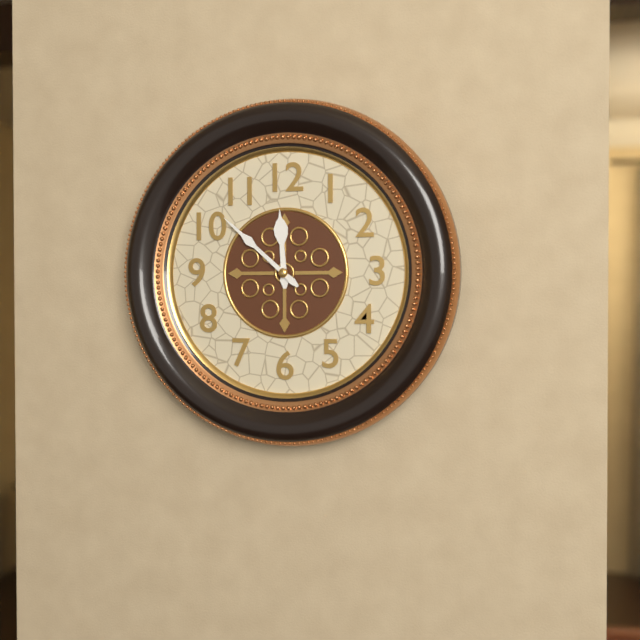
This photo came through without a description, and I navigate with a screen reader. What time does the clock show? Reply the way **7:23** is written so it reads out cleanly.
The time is **11:52**
